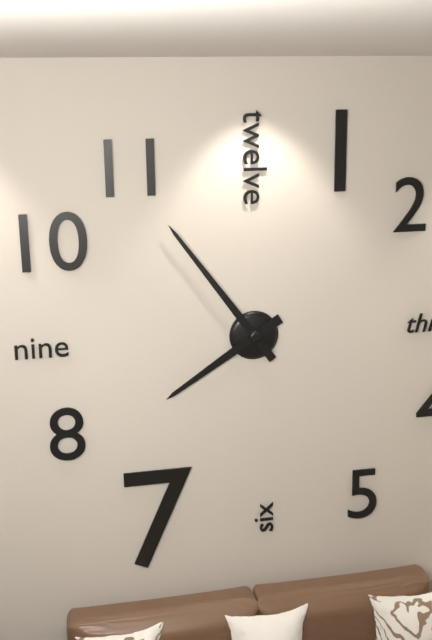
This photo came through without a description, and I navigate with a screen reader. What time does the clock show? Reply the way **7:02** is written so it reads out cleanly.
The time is **7:54**
